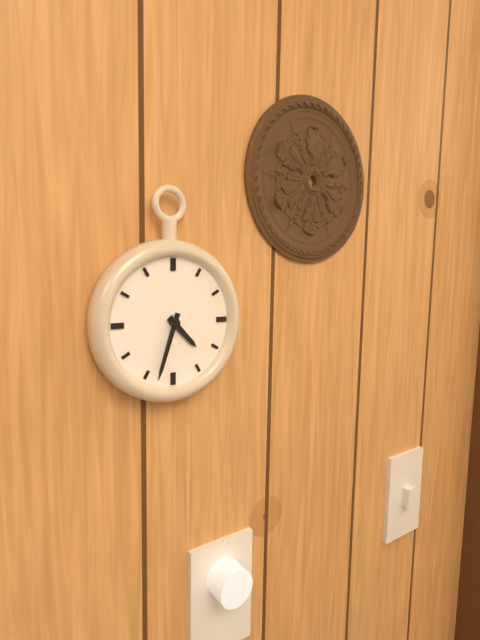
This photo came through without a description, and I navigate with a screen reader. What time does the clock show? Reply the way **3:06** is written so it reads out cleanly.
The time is **4:33**
